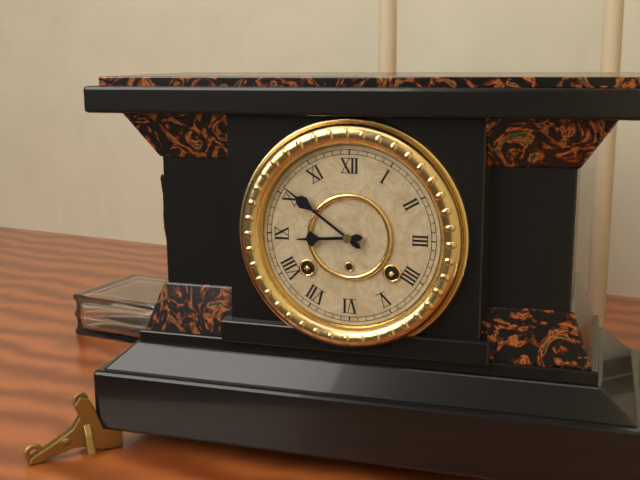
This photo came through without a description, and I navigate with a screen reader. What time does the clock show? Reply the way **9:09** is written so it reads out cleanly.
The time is **8:51**
